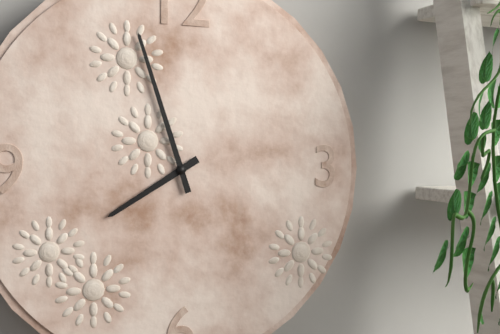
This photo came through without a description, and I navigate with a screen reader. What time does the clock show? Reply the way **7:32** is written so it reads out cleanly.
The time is **7:57**
